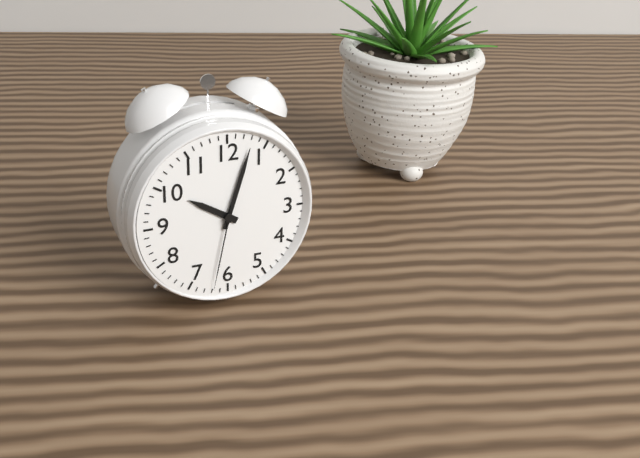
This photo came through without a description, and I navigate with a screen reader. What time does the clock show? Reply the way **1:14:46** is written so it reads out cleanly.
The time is **10:03:32**
